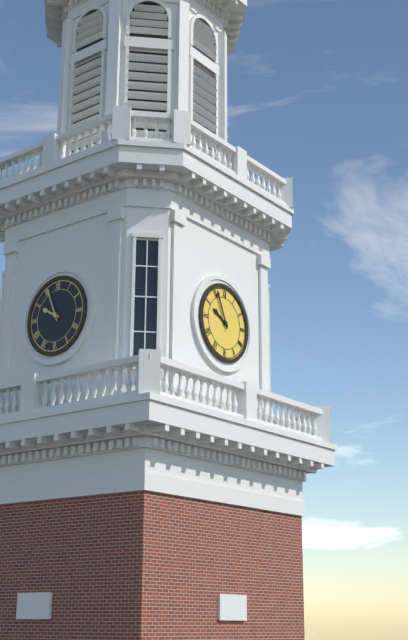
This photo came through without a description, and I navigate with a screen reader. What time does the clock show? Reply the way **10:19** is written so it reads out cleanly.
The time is **9:56**
